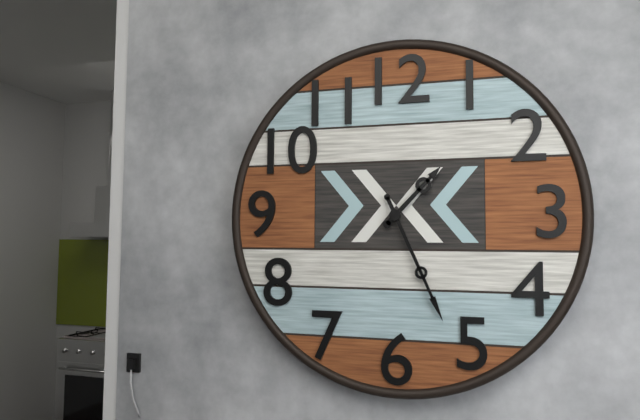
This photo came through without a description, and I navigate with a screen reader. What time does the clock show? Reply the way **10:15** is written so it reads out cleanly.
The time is **1:26**
